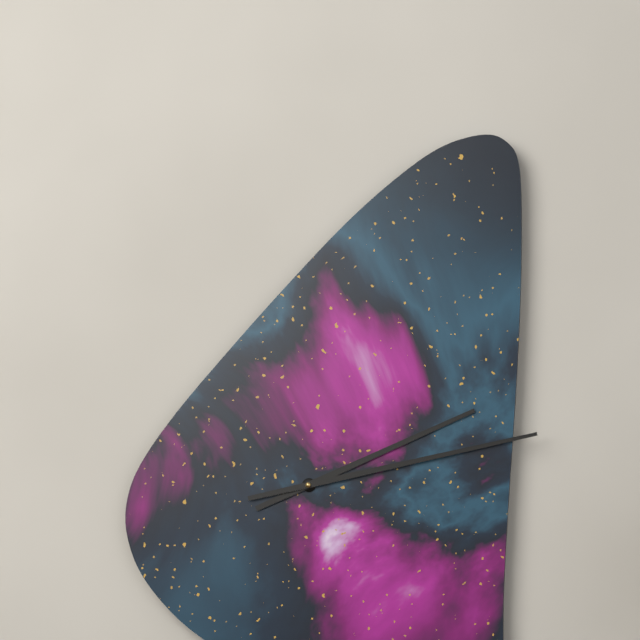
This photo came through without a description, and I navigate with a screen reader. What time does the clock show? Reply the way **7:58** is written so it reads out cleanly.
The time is **2:13**
